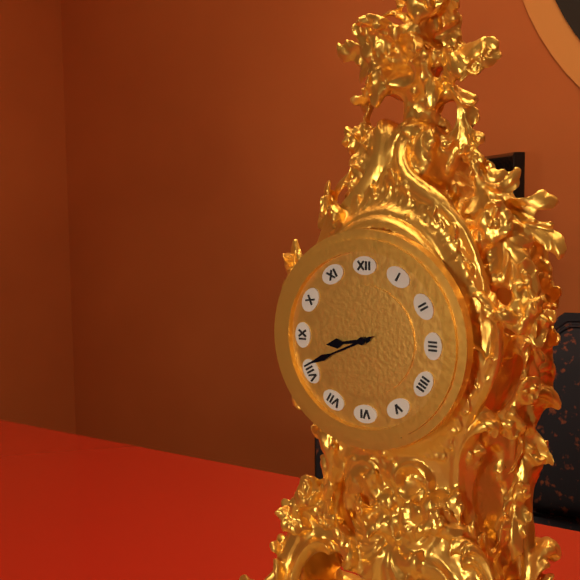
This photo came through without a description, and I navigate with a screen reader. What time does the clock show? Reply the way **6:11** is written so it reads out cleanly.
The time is **8:41**
